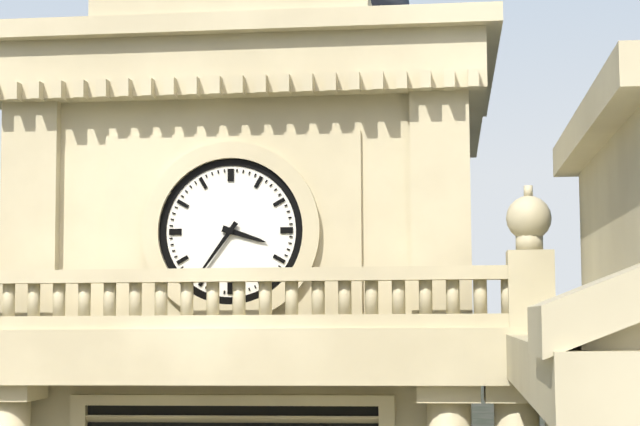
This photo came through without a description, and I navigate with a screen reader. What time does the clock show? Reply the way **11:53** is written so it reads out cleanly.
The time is **3:36**
